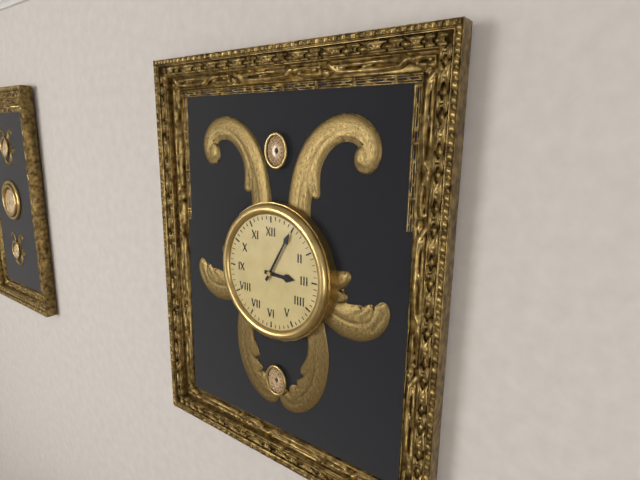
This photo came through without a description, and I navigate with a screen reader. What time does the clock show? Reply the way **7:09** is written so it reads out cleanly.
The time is **3:05**
